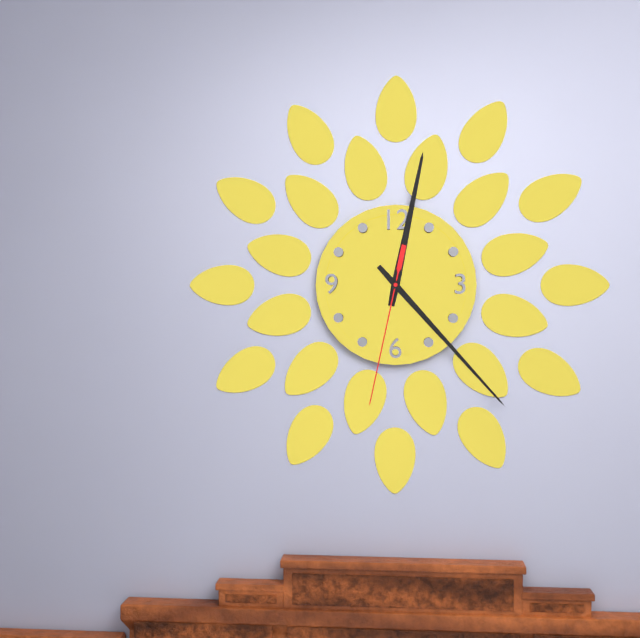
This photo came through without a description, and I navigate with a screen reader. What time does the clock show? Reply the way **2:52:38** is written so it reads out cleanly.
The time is **12:23:32**
